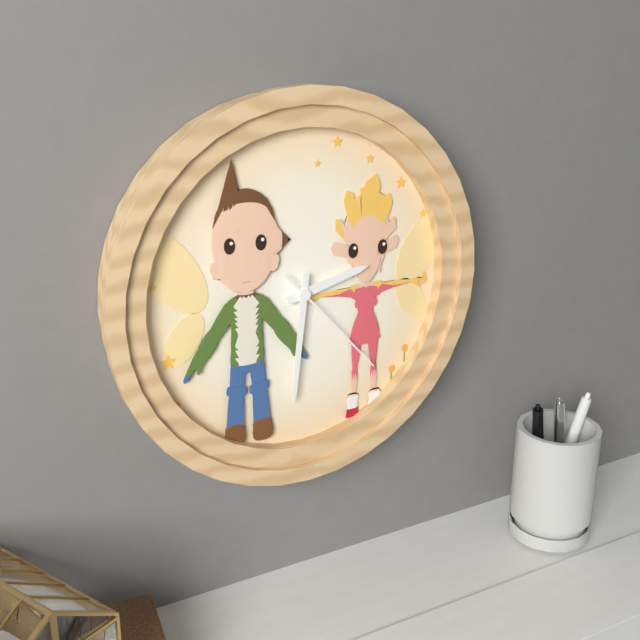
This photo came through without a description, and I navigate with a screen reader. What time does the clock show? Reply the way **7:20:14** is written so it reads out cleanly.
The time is **2:31:23**
